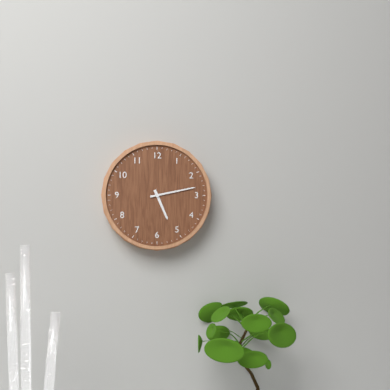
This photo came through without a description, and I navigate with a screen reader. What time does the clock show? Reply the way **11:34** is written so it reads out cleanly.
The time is **5:13**
